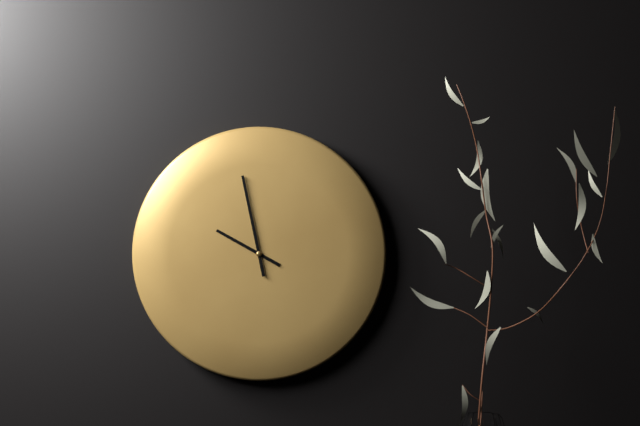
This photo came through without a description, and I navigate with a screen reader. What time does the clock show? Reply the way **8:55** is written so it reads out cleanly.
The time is **9:58**
